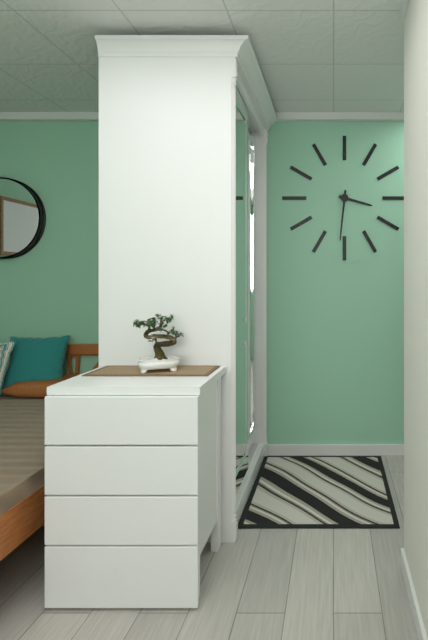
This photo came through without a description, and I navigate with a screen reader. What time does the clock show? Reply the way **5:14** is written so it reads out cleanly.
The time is **3:31**
